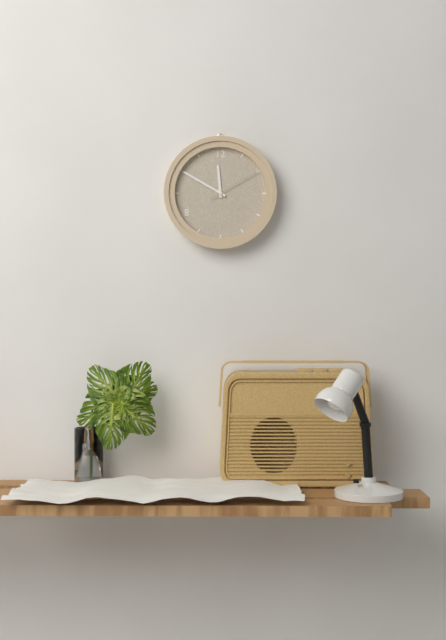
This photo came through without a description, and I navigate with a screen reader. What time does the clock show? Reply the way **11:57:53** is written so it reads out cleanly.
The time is **11:50:10**
